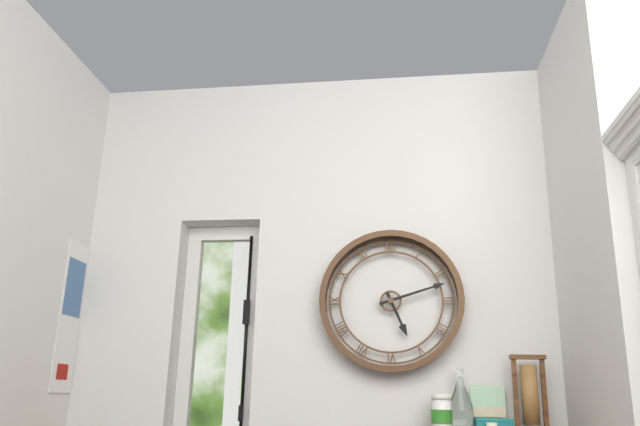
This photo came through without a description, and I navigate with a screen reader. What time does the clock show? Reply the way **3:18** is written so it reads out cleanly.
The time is **5:12**
